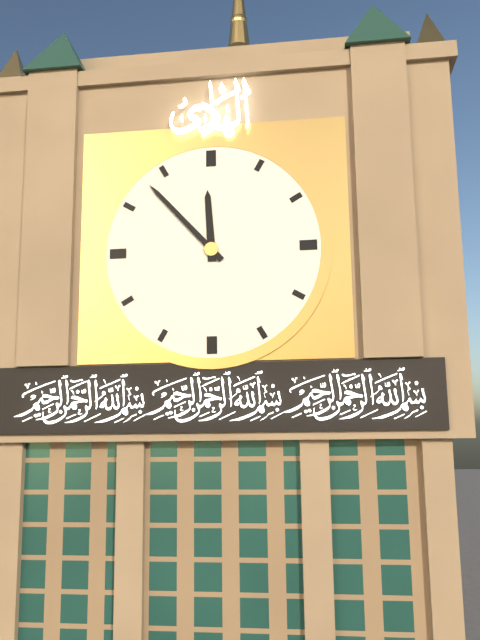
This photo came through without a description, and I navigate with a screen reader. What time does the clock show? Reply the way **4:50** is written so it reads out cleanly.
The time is **11:53**
